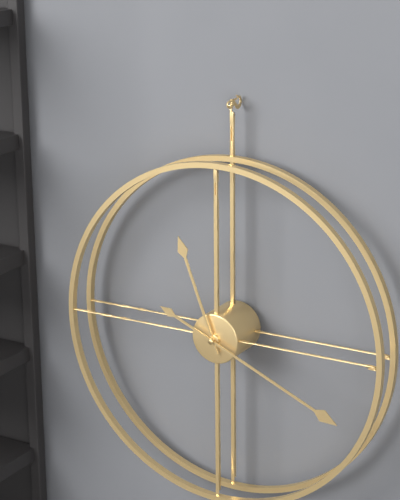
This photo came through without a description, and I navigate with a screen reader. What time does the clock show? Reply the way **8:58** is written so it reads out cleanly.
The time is **11:19**
